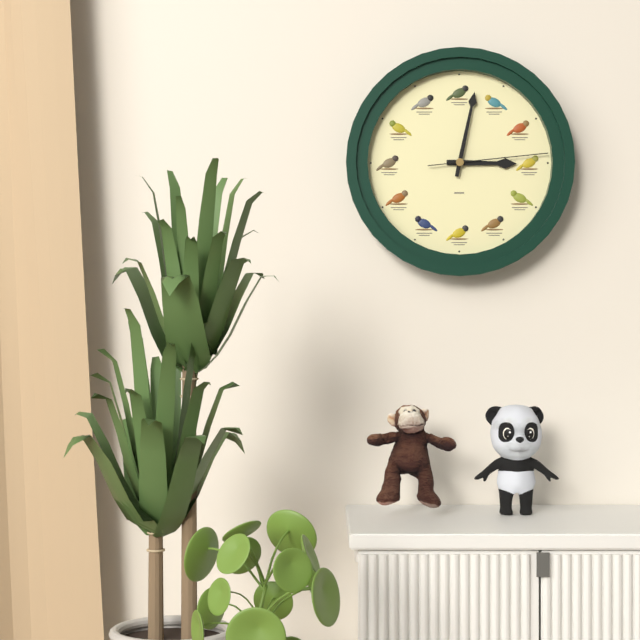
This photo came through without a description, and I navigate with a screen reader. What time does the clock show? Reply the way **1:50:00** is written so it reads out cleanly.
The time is **3:02:14**
